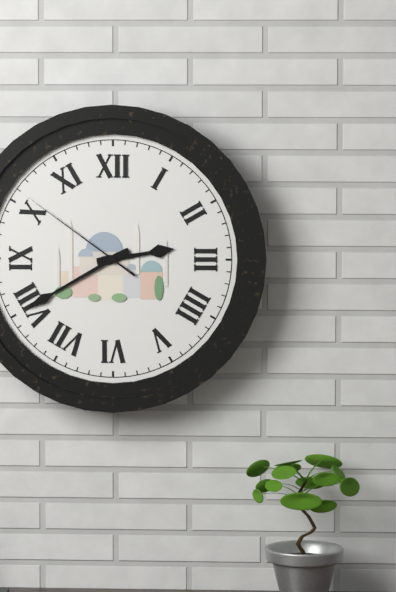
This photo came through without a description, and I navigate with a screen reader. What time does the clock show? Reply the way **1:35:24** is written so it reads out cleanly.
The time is **2:40:51**
